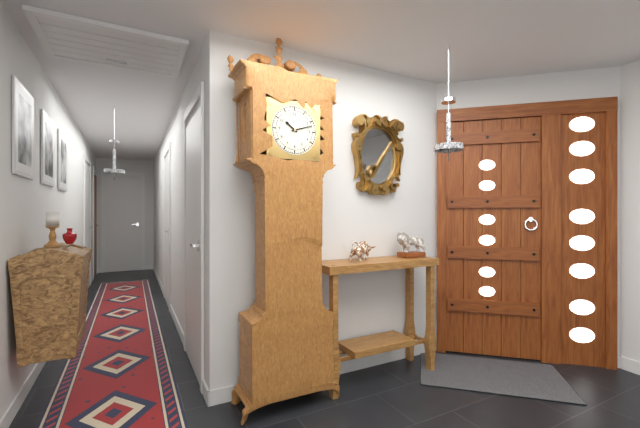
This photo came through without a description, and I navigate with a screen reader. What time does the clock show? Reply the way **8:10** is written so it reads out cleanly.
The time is **10:12**
